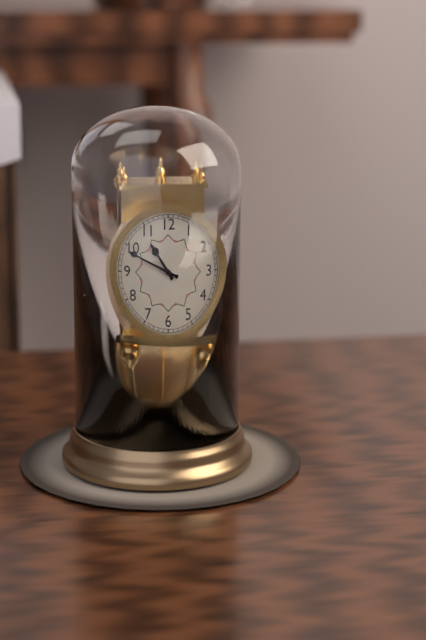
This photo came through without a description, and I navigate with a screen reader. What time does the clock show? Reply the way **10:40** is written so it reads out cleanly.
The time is **10:49**
